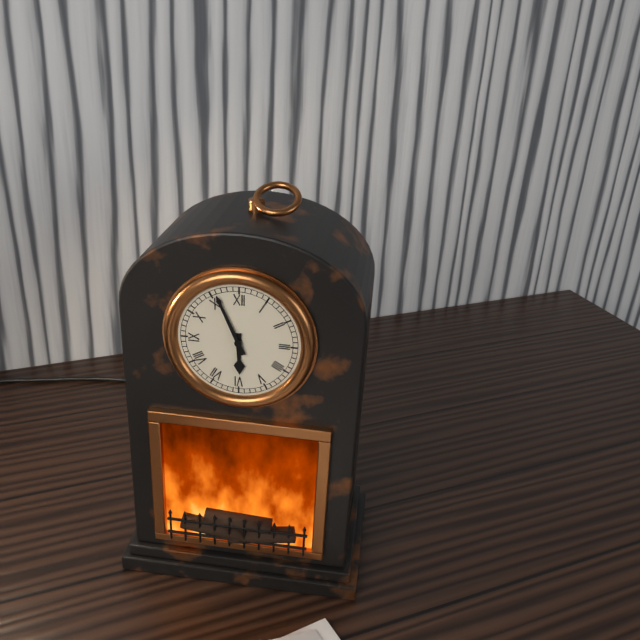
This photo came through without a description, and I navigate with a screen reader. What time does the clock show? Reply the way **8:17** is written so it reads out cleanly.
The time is **5:56**
